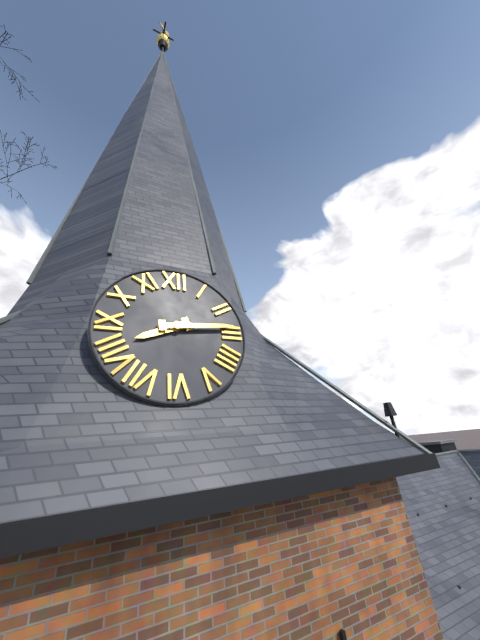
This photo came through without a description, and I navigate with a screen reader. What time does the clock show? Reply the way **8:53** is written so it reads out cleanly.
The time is **8:14**
